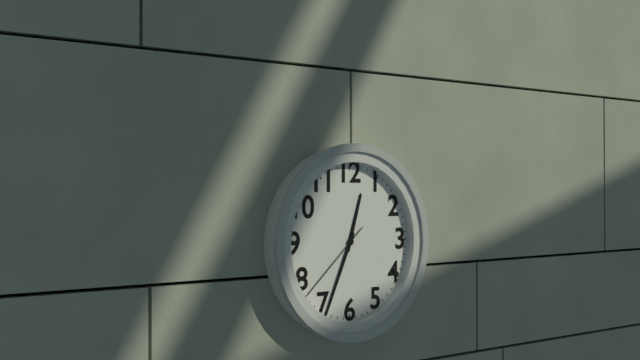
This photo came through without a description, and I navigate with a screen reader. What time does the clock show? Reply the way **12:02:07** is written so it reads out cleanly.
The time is **12:34:38**
